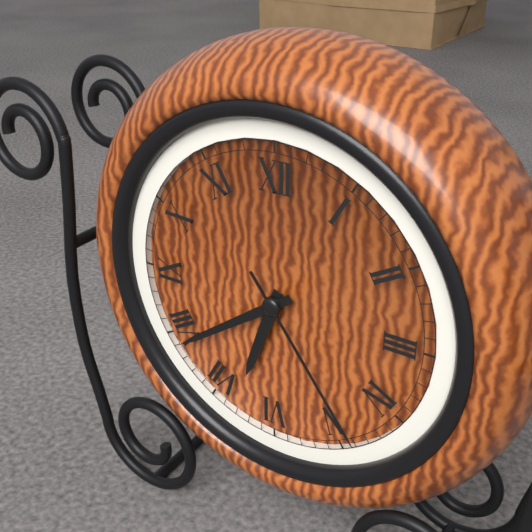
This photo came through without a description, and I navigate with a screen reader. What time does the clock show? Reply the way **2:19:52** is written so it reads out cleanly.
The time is **6:39:24**
